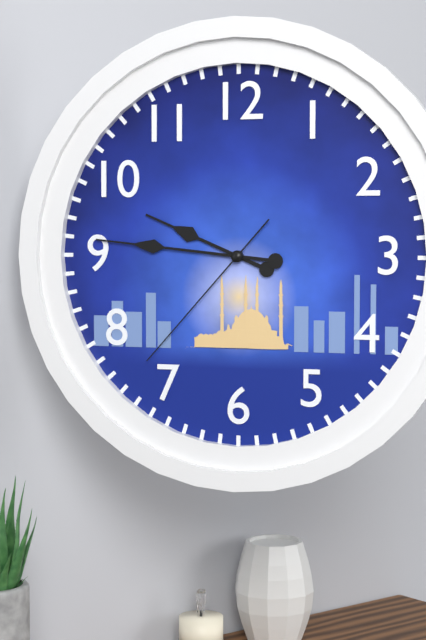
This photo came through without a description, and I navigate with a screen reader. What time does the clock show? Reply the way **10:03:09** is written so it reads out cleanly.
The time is **9:46:37**
